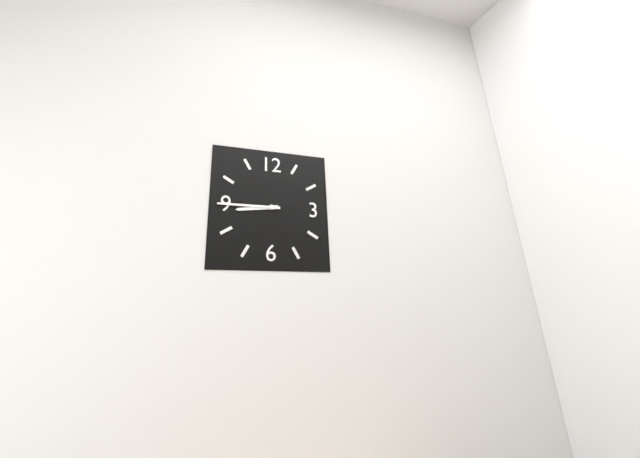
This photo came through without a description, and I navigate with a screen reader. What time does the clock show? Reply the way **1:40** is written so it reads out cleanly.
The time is **8:45**
